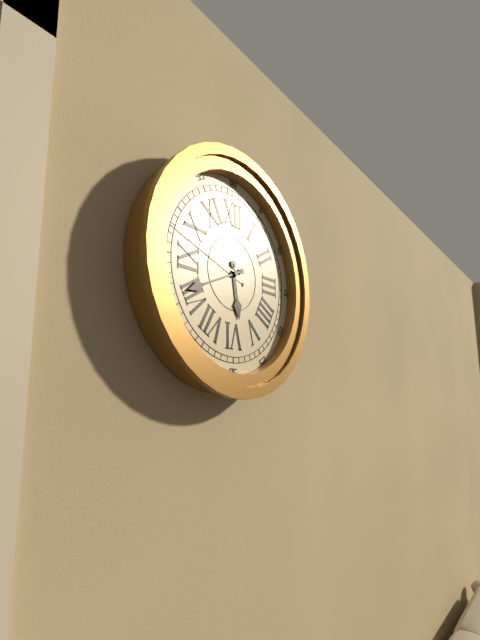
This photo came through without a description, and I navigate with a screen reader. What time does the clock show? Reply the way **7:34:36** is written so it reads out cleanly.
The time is **5:41:48**
